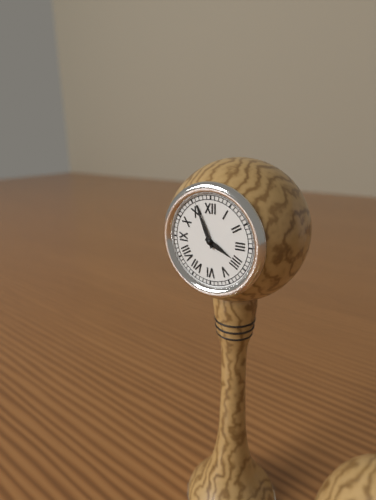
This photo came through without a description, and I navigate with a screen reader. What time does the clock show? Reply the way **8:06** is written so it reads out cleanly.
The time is **3:56**
